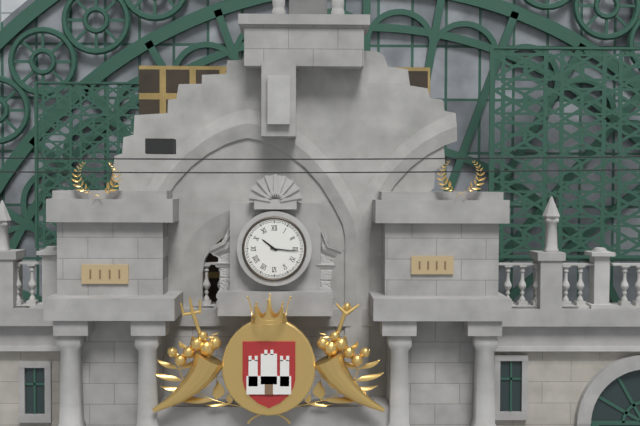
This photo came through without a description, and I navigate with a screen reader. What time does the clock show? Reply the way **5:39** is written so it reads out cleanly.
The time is **10:16**
